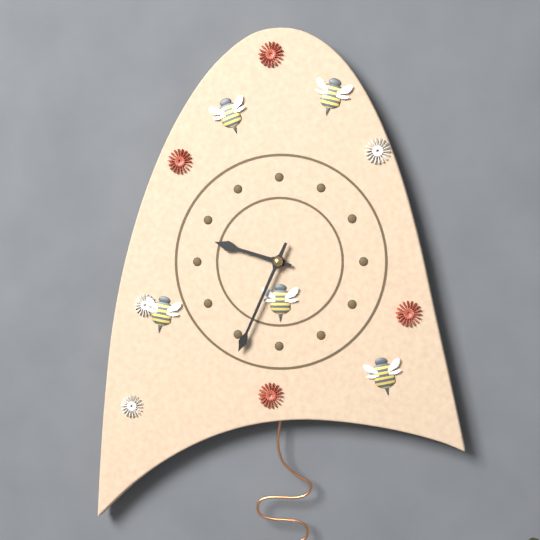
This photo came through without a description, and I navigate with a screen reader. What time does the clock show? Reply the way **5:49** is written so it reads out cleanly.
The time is **9:34**
